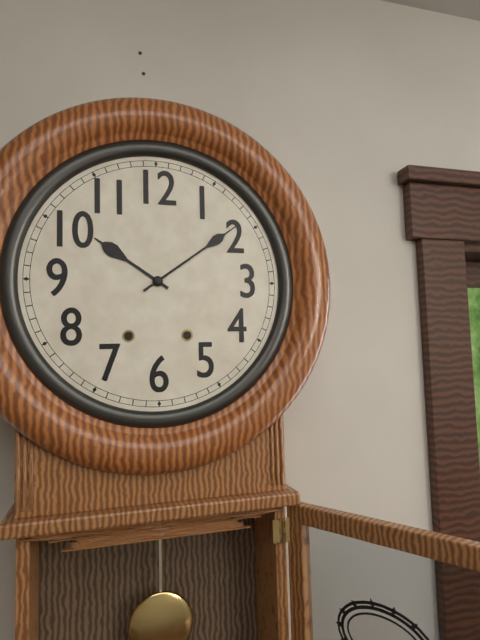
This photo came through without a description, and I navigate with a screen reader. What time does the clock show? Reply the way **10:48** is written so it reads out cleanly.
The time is **10:09**
